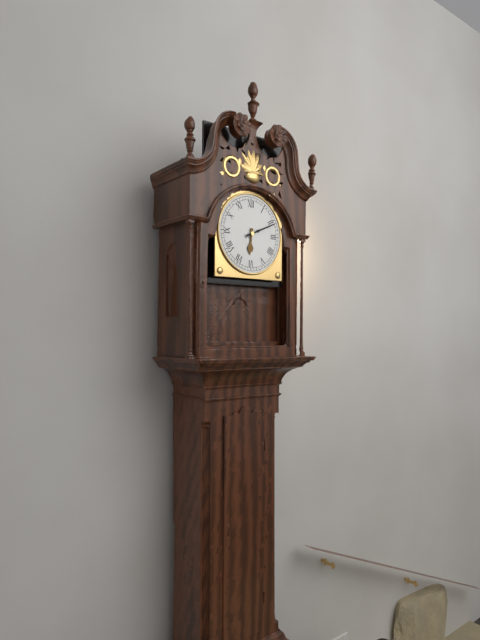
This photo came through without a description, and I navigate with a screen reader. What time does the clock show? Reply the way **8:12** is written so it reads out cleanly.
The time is **6:11**
